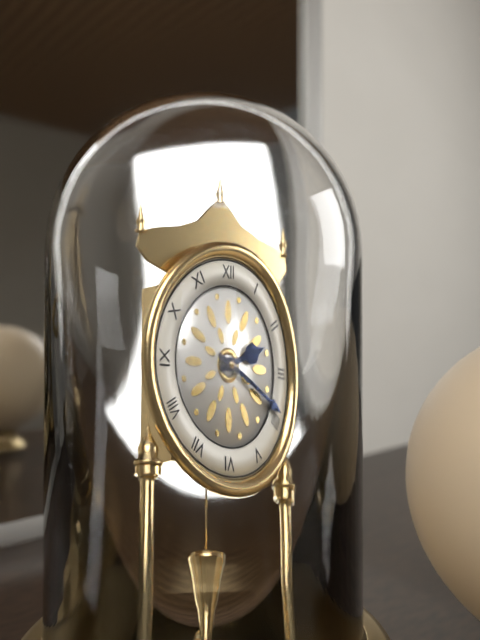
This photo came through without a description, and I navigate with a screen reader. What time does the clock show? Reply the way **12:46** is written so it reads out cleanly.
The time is **2:19**
